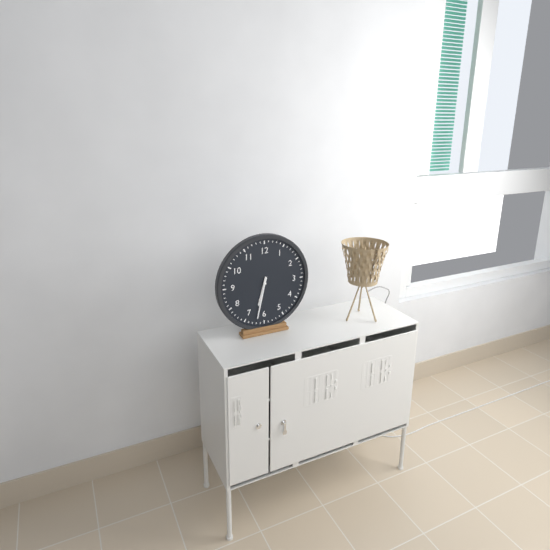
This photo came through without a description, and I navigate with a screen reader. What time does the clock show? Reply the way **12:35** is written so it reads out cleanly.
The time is **6:32**
